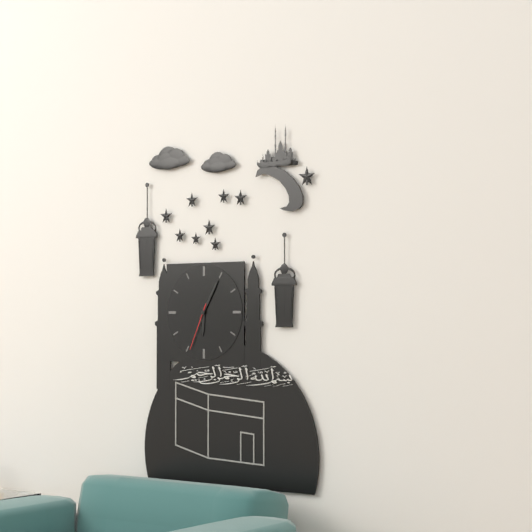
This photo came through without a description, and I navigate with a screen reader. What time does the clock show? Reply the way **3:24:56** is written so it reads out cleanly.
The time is **6:05:34**
